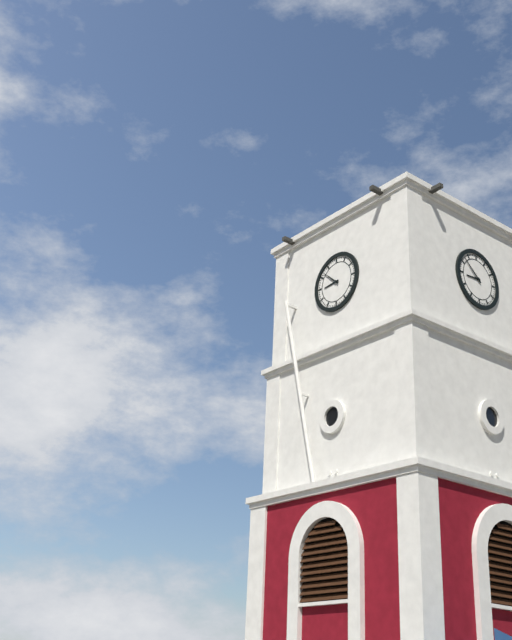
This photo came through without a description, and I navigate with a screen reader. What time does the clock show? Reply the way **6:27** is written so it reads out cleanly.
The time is **8:52**
